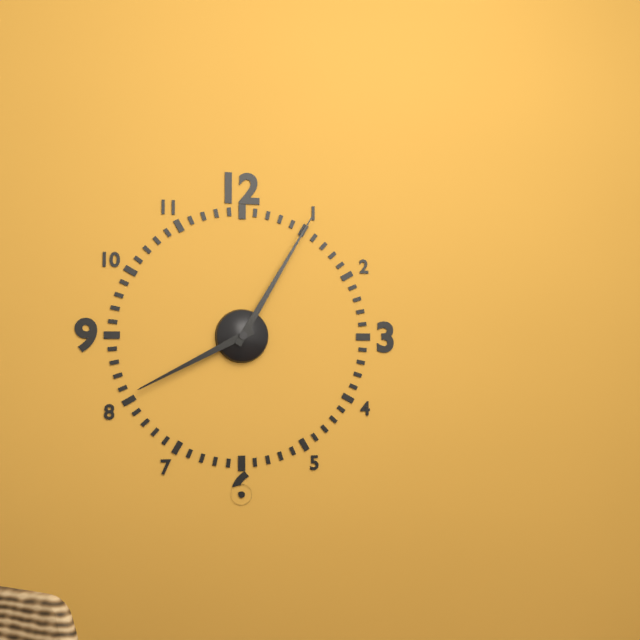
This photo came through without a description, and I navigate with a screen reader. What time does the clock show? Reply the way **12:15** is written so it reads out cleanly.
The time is **8:05**
